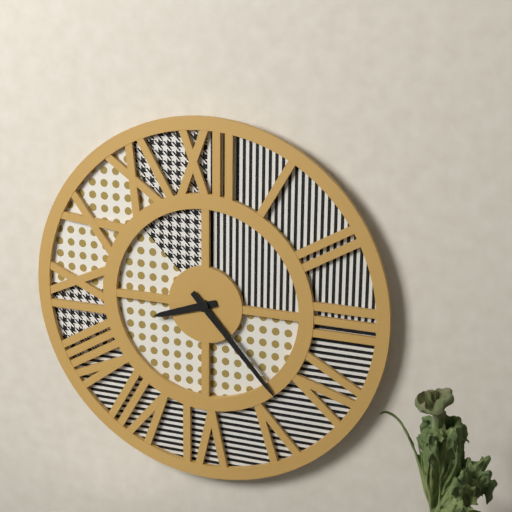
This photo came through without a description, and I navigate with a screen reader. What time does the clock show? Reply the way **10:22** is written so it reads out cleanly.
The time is **8:23**
